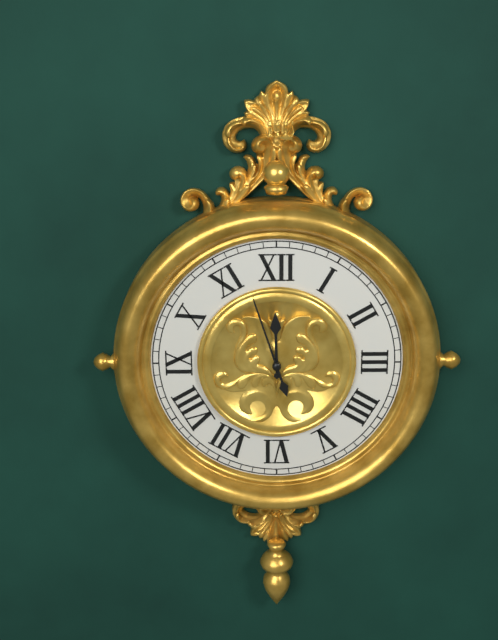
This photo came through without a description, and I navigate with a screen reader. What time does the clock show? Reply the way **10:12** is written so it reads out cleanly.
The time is **11:57**
